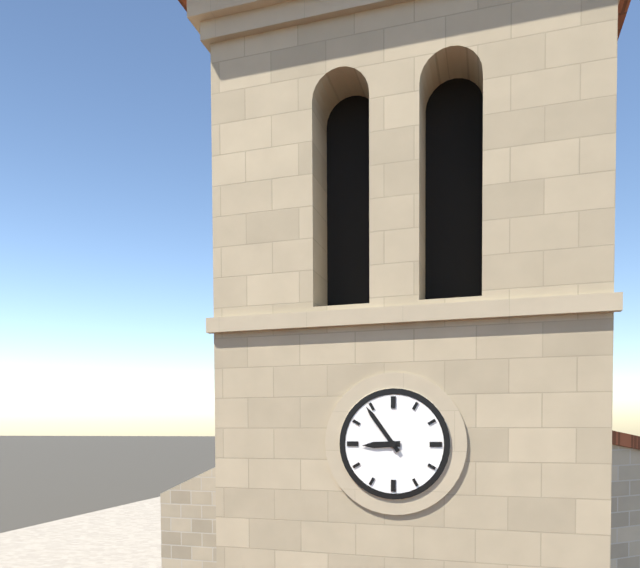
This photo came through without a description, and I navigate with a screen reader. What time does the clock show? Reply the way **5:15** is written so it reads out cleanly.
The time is **8:54**
